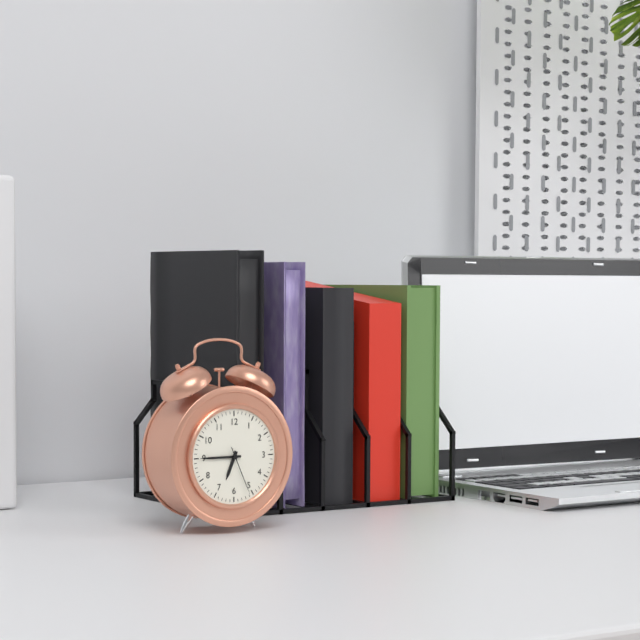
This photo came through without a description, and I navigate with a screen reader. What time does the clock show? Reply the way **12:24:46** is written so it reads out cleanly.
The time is **6:45:26**
